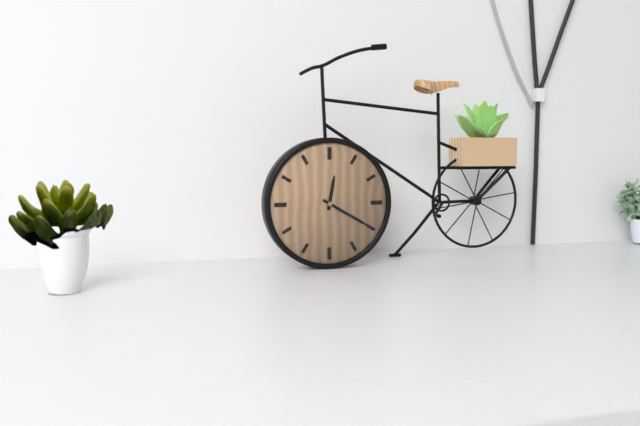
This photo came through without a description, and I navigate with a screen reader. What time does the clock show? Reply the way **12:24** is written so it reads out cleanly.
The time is **12:20**
